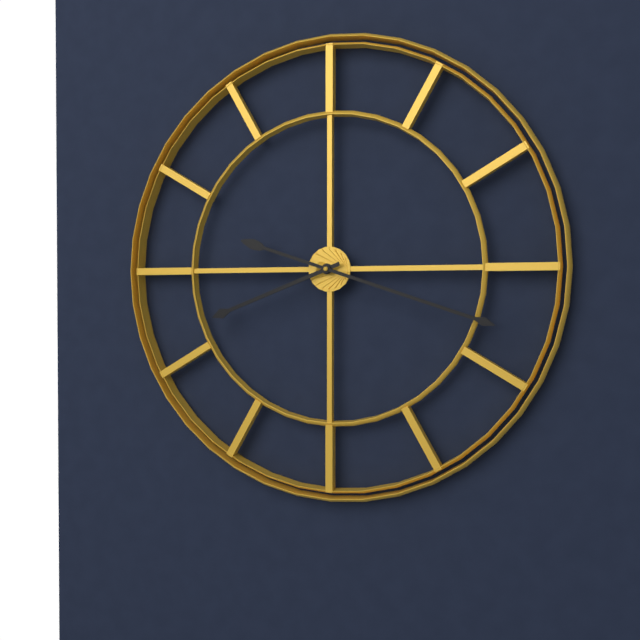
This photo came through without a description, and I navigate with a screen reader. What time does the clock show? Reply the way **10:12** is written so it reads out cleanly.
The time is **8:18**
